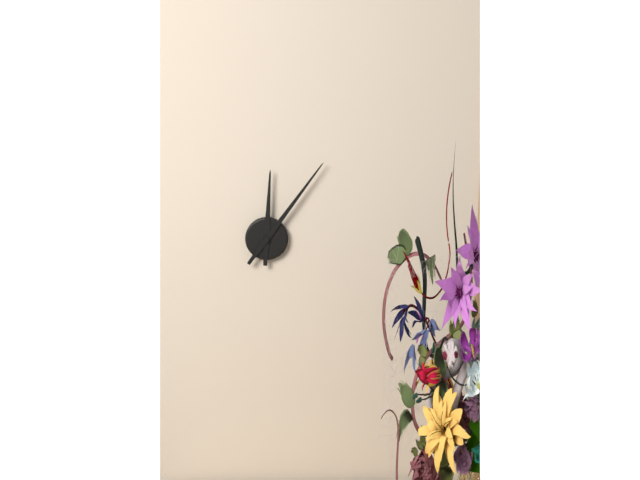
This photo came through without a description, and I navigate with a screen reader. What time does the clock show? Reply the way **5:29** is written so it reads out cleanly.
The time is **12:06**
